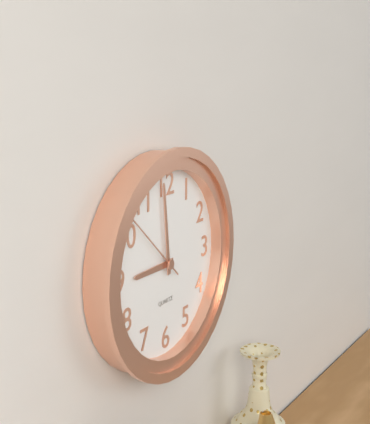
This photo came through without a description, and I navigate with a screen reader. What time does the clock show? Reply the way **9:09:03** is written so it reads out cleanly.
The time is **8:59:52**
